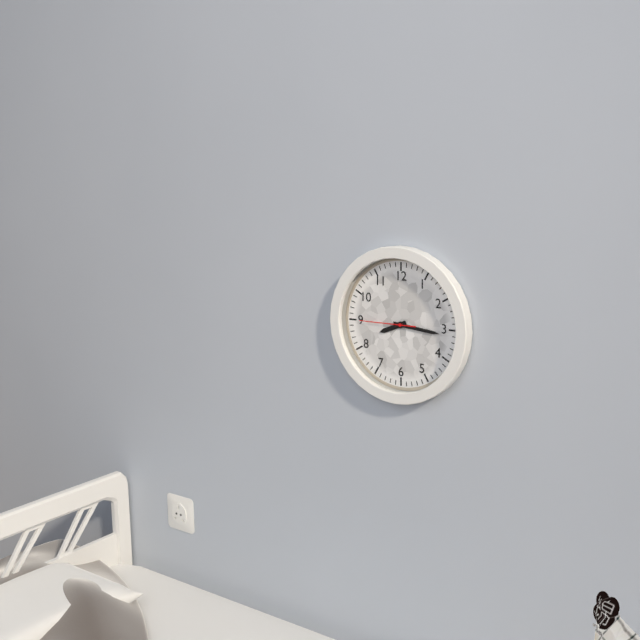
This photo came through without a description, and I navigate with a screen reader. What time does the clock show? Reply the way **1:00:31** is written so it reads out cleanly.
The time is **8:16:45**
